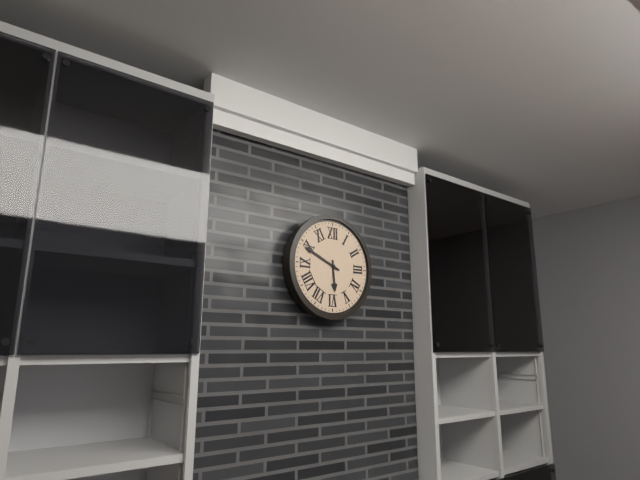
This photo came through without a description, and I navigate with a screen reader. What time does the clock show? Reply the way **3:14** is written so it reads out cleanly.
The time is **5:49**
